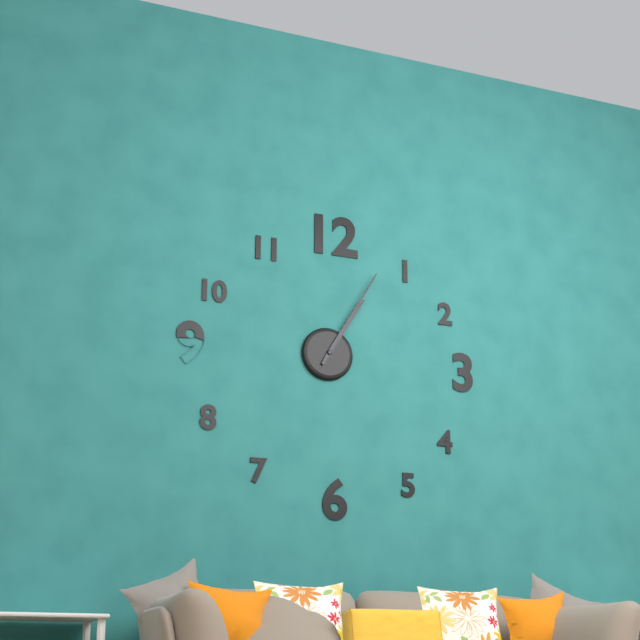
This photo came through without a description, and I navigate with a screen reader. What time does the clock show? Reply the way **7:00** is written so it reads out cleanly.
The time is **1:05**
